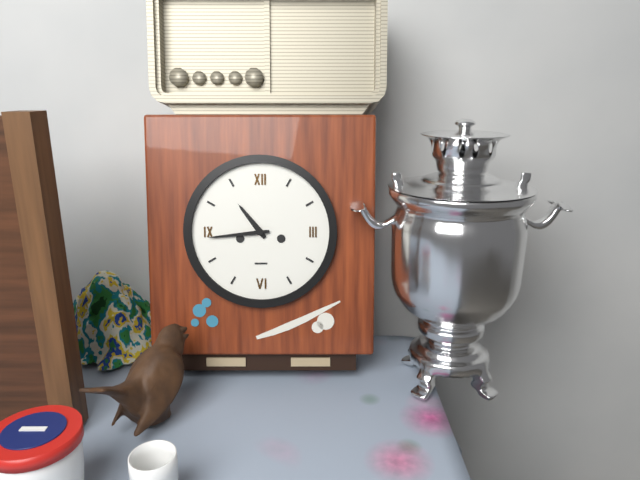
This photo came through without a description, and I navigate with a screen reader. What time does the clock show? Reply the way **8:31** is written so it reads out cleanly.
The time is **10:44**
